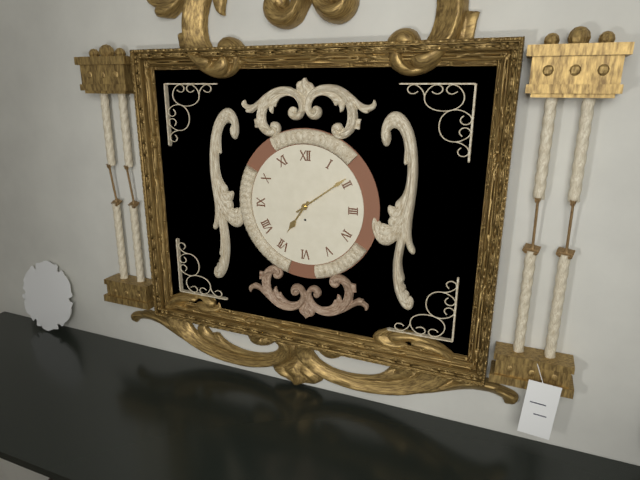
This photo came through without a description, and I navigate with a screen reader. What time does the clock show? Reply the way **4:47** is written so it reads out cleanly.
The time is **7:09**
